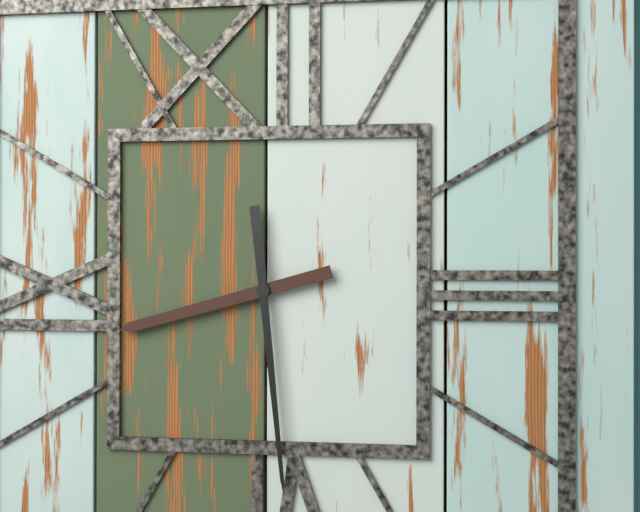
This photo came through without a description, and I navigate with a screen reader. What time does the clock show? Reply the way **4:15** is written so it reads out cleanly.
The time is **8:29**
